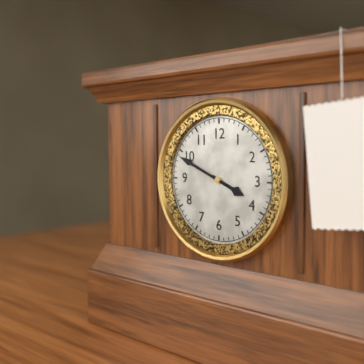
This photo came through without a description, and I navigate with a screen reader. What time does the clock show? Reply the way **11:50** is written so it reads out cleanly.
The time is **3:49**
